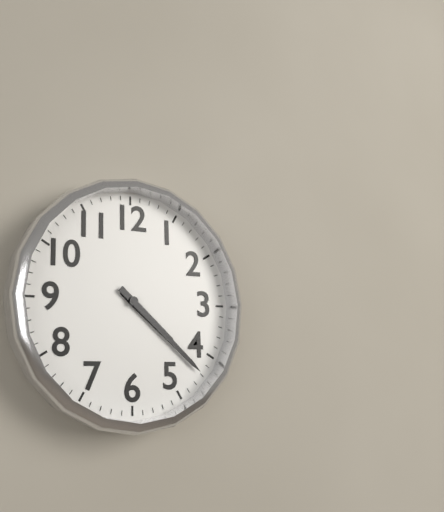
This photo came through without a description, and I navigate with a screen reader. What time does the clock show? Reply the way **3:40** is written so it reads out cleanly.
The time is **4:22**
